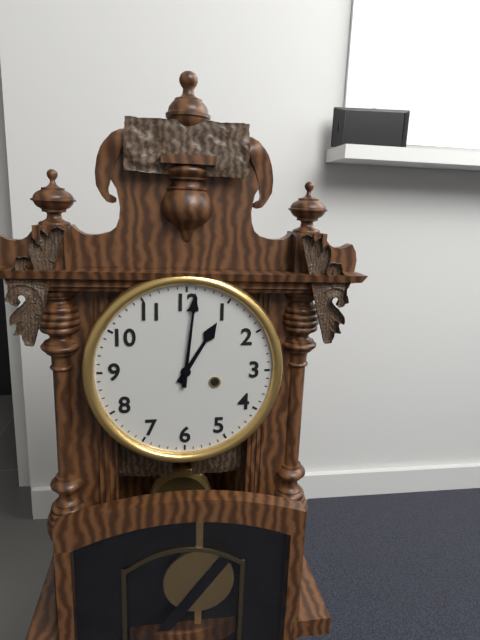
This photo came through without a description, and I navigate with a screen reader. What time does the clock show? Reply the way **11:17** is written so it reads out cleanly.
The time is **1:01**
